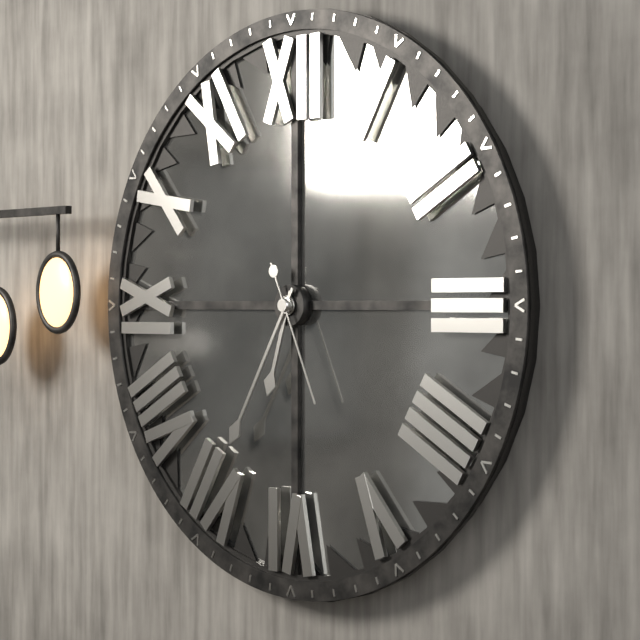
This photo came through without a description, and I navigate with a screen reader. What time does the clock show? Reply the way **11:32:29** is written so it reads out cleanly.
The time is **6:35:26**
